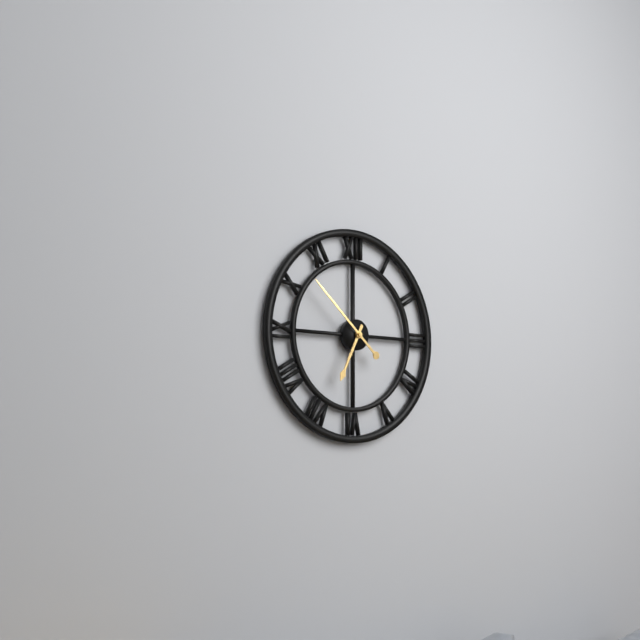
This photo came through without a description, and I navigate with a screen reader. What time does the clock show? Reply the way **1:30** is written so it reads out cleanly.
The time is **6:52**
